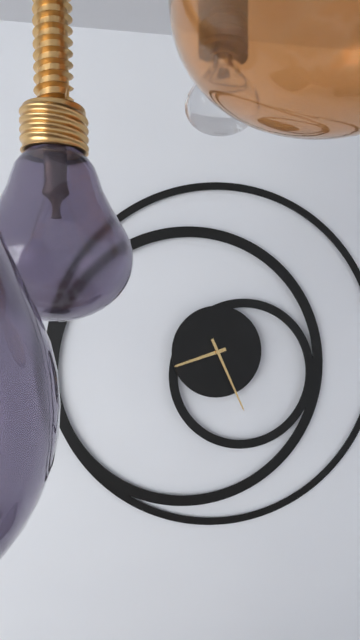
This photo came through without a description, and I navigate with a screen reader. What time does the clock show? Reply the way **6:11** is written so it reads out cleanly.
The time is **8:26**
